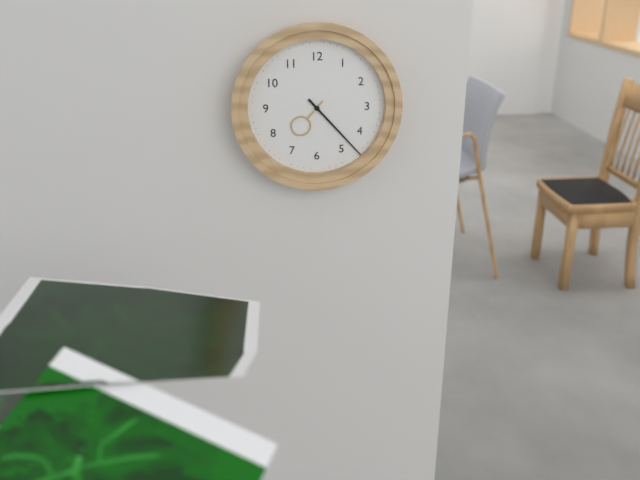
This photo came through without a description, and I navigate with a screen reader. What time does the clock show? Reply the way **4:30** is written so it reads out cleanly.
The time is **7:23**
